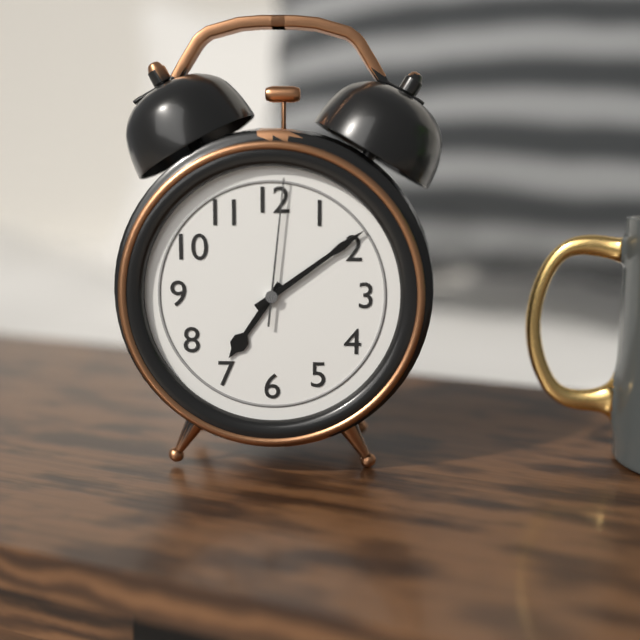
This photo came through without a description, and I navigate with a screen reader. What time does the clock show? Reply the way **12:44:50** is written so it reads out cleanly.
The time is **7:09:01**
